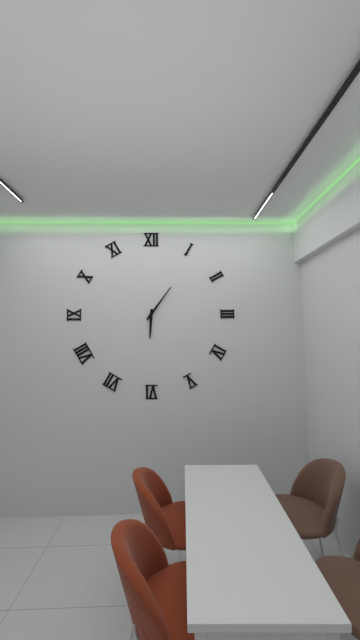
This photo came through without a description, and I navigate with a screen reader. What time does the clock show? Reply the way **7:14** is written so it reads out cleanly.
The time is **6:06**
